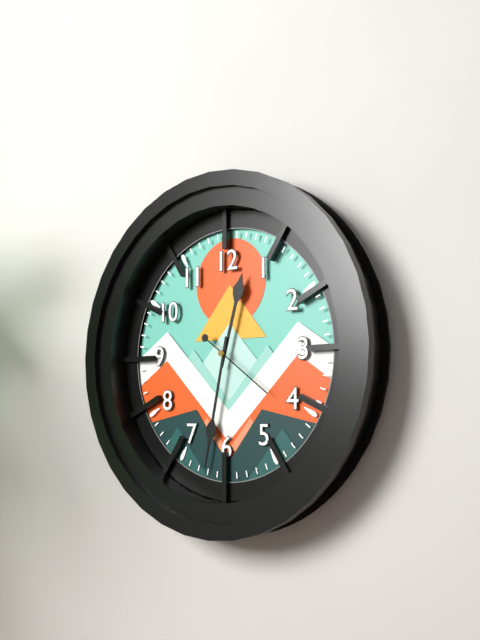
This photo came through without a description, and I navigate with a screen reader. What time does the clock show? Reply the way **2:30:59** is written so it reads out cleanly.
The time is **12:32:21**
